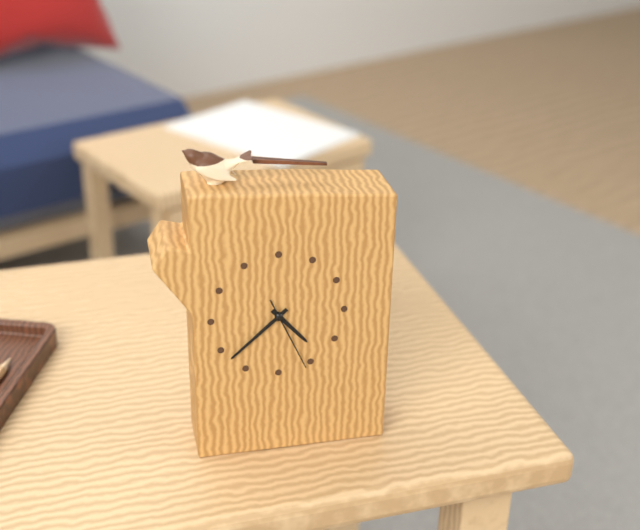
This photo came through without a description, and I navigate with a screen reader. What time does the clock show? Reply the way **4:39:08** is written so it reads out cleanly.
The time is **4:38:26**
